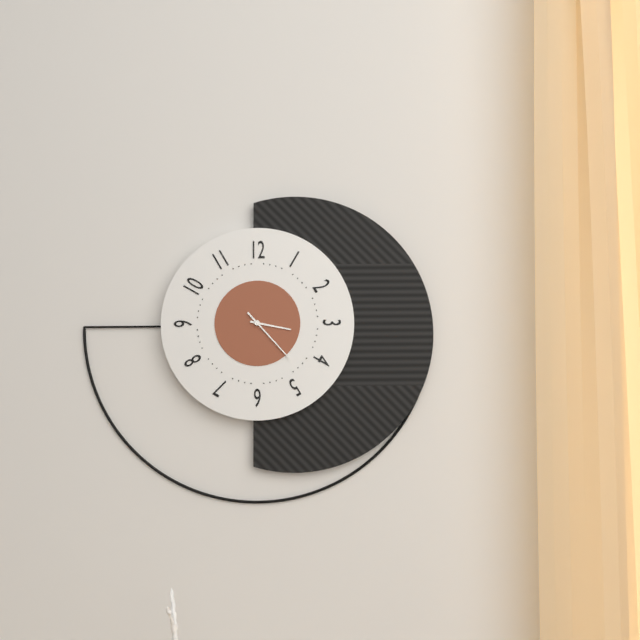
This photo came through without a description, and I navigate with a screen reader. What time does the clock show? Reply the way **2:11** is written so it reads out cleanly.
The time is **3:23**
